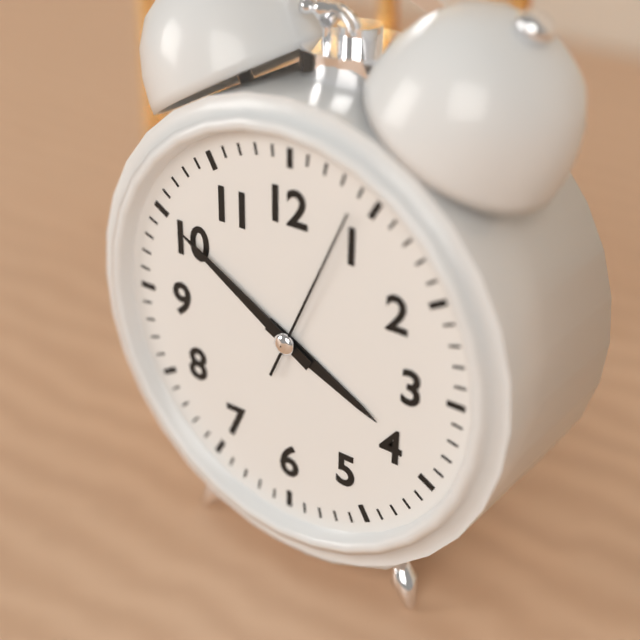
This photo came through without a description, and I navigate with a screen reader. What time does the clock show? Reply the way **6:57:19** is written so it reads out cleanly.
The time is **3:50:04**
